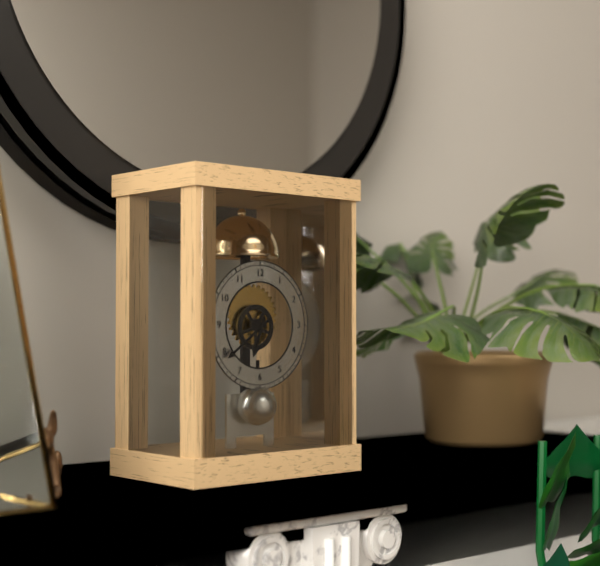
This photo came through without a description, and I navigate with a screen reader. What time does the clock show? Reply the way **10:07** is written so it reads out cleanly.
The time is **6:39**
